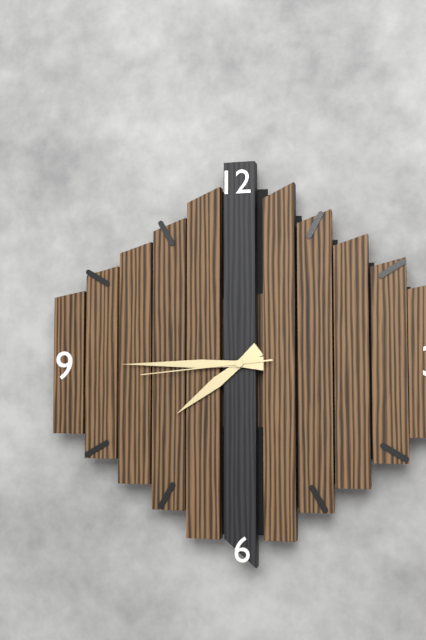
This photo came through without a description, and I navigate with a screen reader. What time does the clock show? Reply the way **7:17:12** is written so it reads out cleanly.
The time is **7:45:44**
